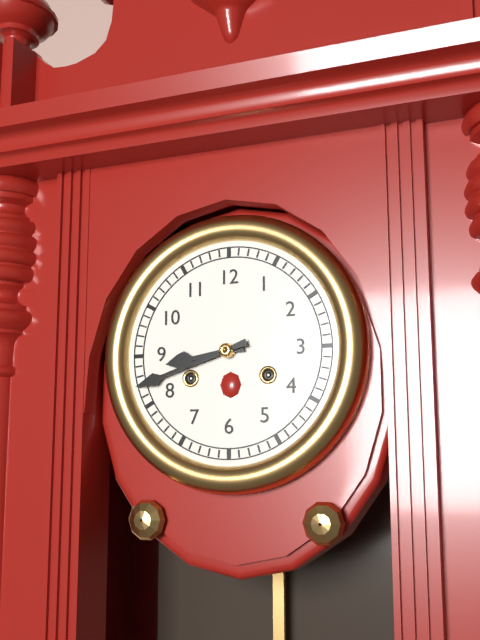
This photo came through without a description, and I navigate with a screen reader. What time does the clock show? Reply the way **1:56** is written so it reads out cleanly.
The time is **8:42**
